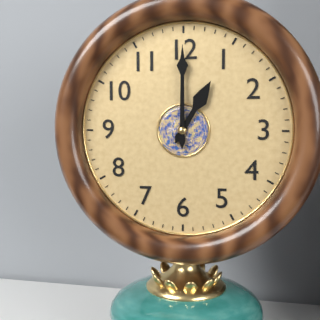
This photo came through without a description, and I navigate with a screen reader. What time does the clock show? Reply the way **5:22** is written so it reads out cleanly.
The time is **1:00**
